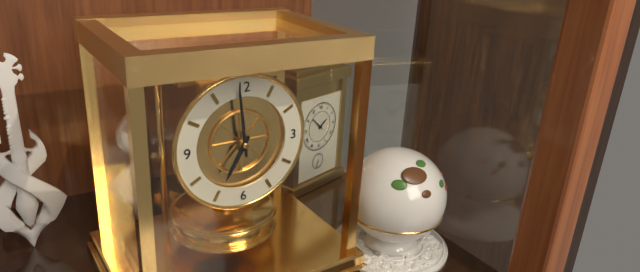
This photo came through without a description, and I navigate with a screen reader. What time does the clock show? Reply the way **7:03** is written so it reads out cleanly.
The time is **6:59**
